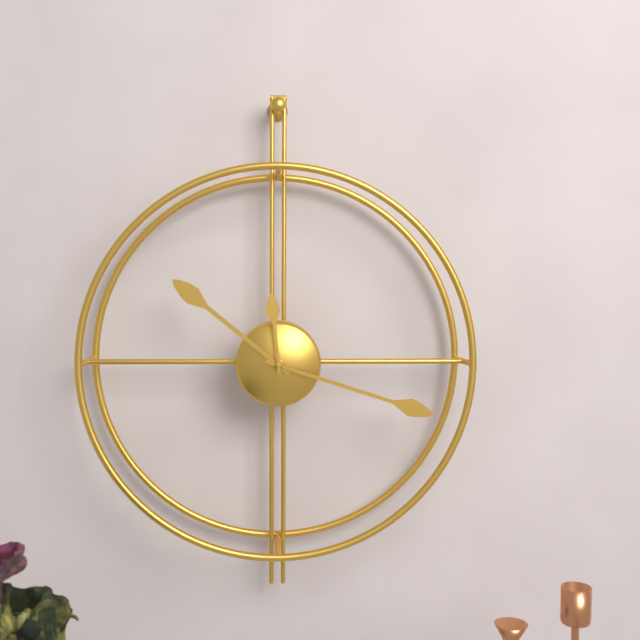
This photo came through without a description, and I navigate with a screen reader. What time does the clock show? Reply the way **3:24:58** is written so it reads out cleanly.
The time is **10:18:59**
